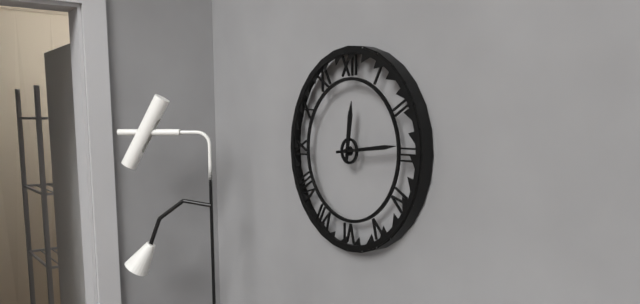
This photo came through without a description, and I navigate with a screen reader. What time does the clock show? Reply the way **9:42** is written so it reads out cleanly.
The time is **12:14**
